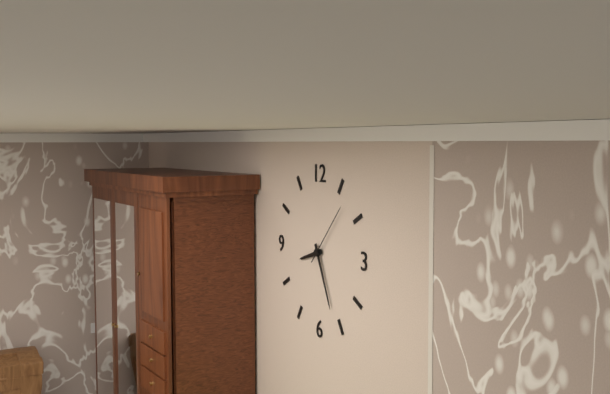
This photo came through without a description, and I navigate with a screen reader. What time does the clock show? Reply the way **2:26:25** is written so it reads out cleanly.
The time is **8:26:07**
